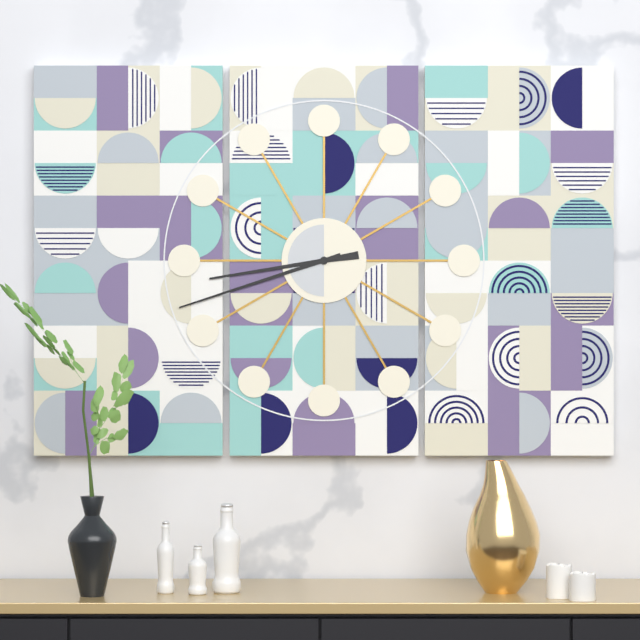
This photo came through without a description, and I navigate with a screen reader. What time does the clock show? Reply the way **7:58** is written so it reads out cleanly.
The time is **8:42**
